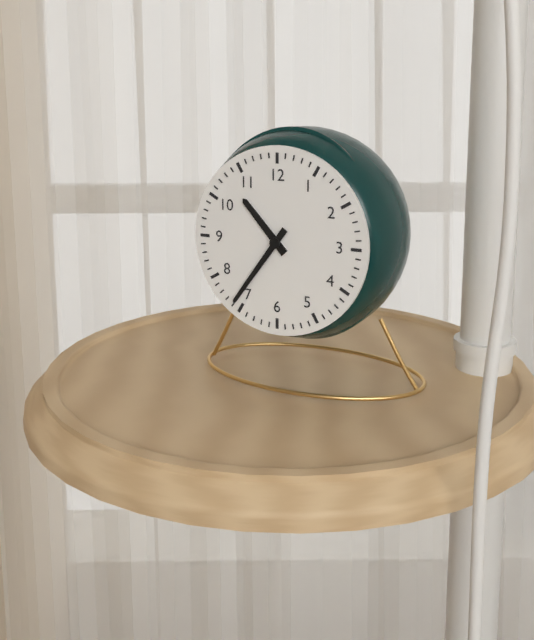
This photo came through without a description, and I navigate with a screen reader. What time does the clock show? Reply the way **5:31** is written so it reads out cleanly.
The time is **10:36**
